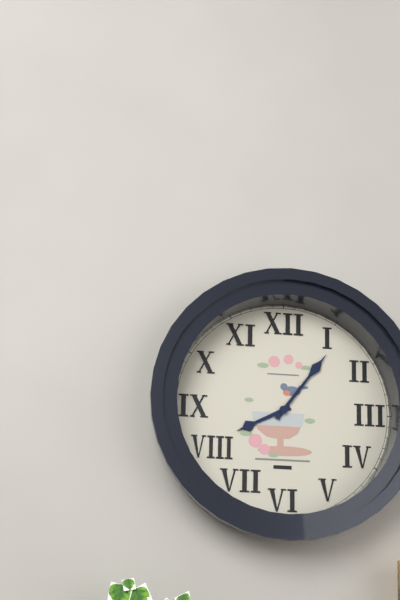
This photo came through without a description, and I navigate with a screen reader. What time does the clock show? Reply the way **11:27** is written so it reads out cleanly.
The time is **8:06**
